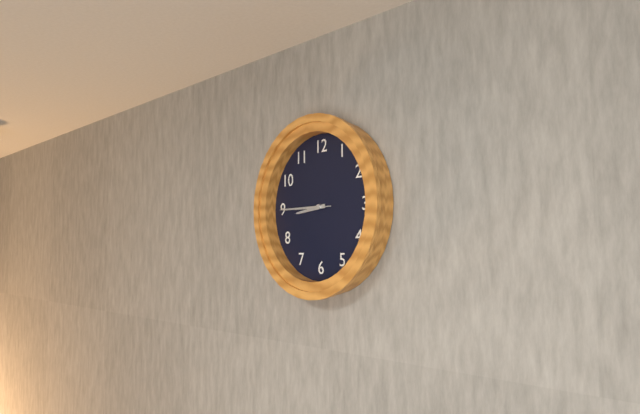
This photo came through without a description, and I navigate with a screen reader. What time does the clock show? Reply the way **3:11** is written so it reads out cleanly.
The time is **8:45**
